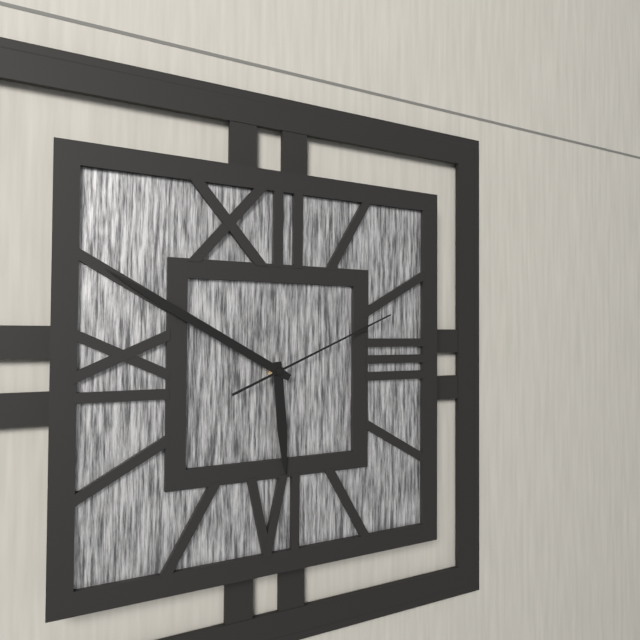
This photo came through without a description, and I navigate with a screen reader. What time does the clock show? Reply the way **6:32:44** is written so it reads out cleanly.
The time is **5:50:11**
